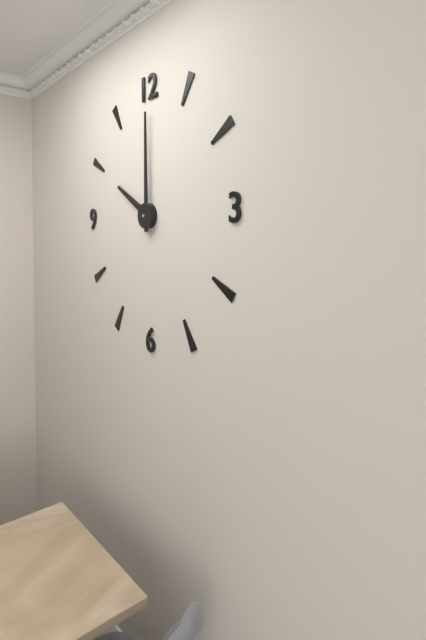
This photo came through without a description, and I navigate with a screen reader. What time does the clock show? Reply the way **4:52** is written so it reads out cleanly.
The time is **10:00**
